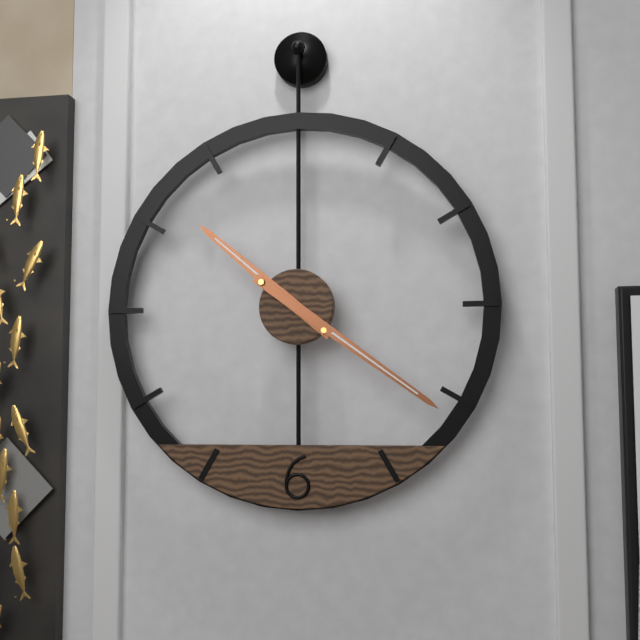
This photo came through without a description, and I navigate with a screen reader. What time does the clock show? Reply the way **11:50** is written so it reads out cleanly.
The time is **10:21**
